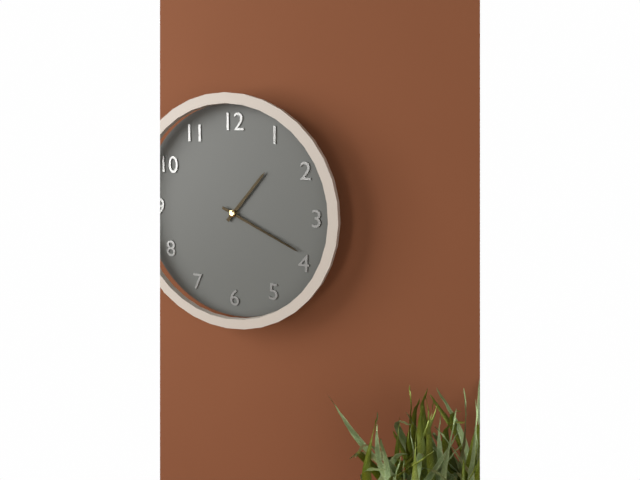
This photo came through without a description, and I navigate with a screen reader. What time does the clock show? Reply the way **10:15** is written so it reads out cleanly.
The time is **1:19**
